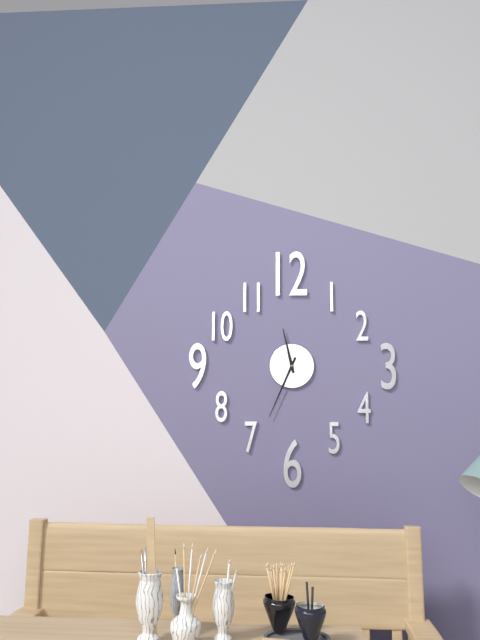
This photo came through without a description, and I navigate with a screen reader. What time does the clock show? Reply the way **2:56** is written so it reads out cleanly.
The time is **11:34**
